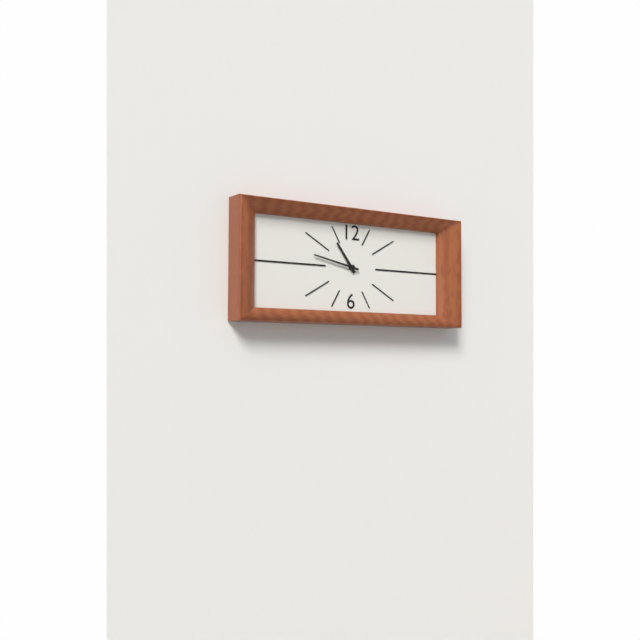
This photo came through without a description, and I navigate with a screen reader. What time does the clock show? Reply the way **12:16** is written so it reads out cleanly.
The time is **10:47**
